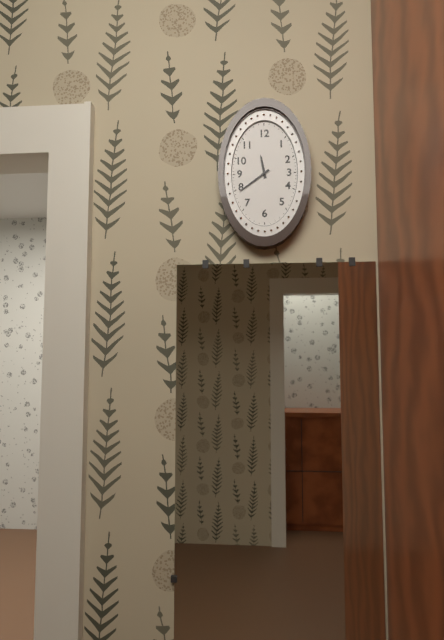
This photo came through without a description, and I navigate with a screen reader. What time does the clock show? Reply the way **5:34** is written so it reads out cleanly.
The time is **11:39**
